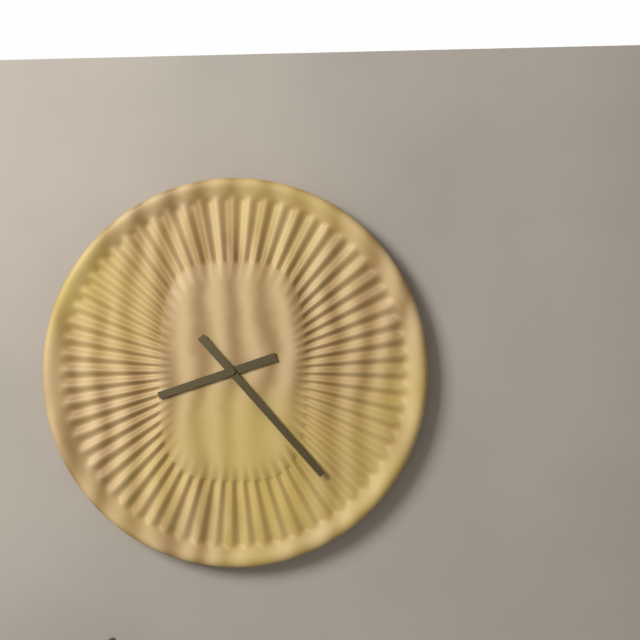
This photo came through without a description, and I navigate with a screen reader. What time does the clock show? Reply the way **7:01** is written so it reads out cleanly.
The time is **8:23**
